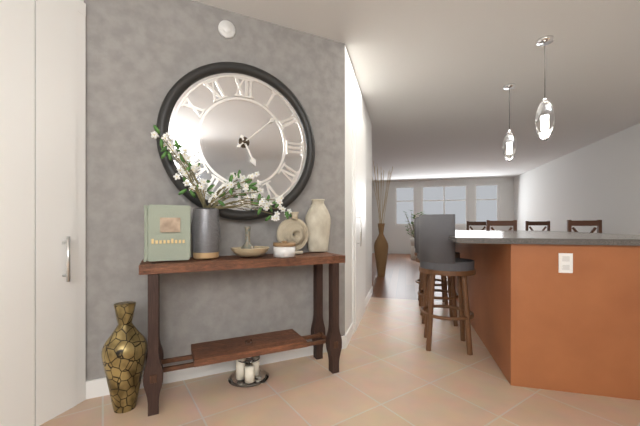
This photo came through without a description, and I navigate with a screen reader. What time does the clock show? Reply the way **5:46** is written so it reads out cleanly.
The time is **5:08**
